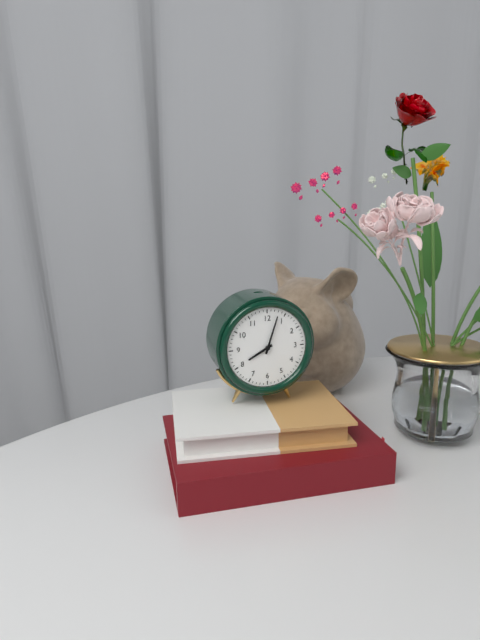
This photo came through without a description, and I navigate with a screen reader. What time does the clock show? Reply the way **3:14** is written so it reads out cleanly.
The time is **8:03**
